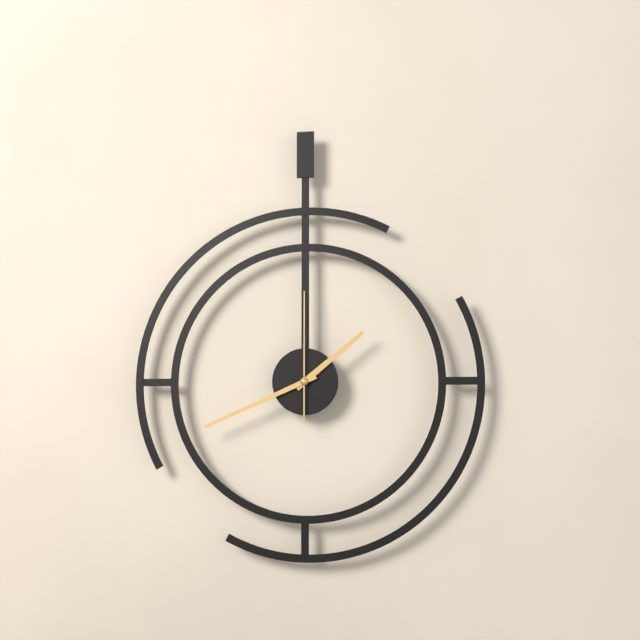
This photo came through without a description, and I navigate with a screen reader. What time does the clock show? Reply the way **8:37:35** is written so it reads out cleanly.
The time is **1:41:00**
